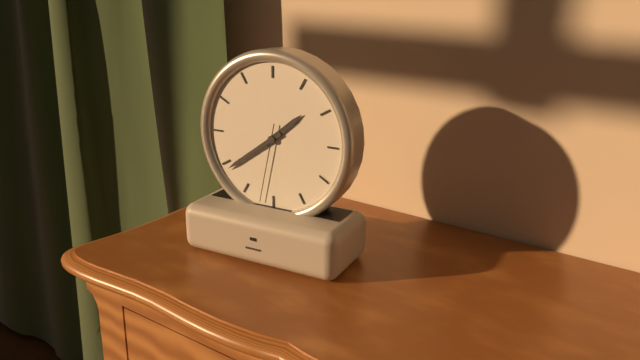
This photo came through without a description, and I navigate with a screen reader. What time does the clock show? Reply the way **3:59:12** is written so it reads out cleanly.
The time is **1:39:32**
